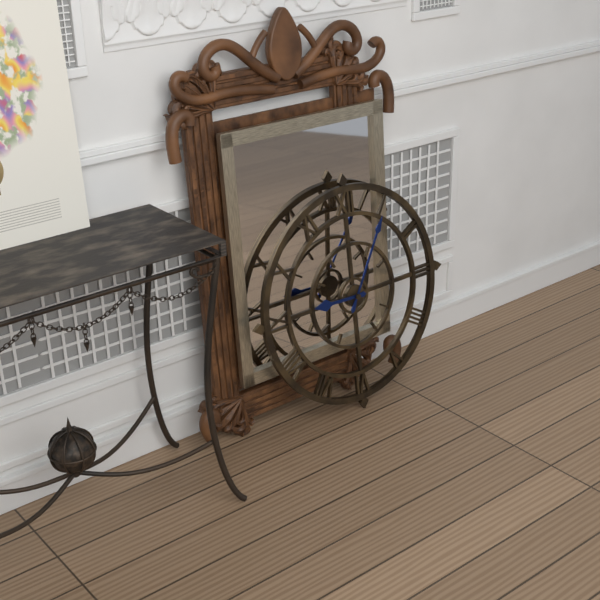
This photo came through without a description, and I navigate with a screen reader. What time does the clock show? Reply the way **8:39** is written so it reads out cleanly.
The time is **9:05**
